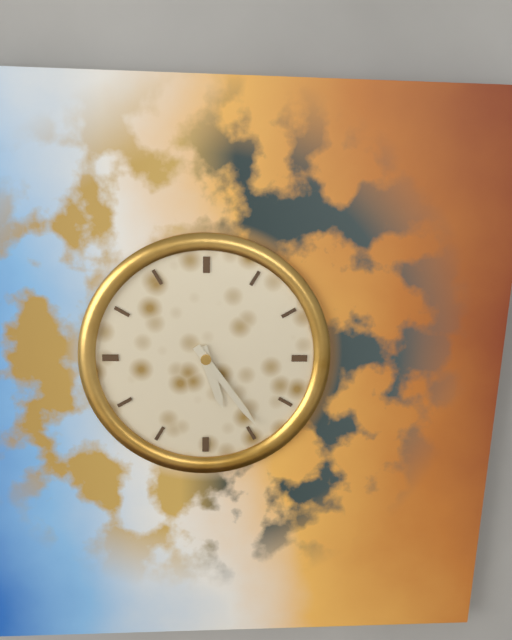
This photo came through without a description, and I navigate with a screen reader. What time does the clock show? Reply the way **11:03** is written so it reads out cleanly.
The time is **5:24**
